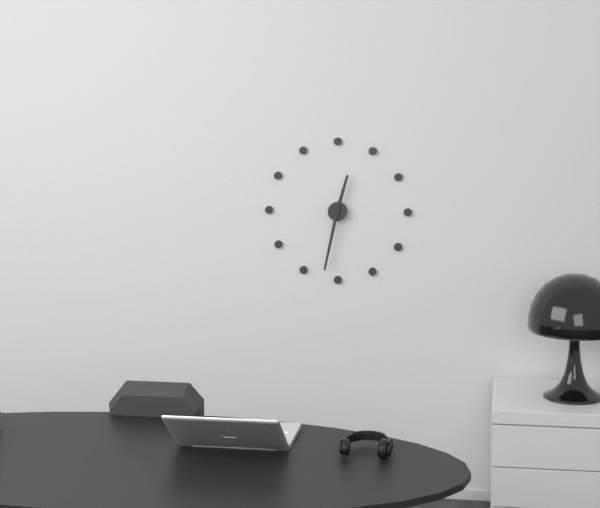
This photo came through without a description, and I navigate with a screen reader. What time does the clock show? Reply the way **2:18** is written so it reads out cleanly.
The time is **12:32**
